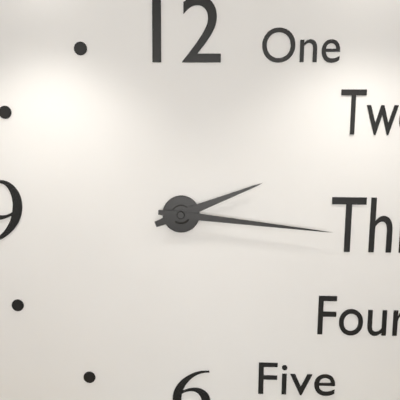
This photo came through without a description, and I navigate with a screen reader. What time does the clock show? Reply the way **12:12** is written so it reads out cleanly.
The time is **2:16**
